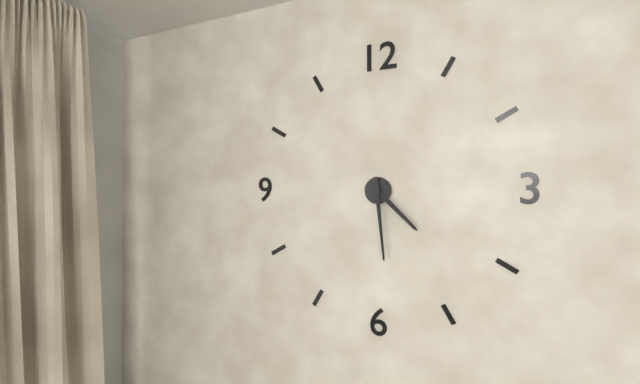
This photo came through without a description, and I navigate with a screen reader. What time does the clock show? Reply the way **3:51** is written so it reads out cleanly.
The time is **4:29**
